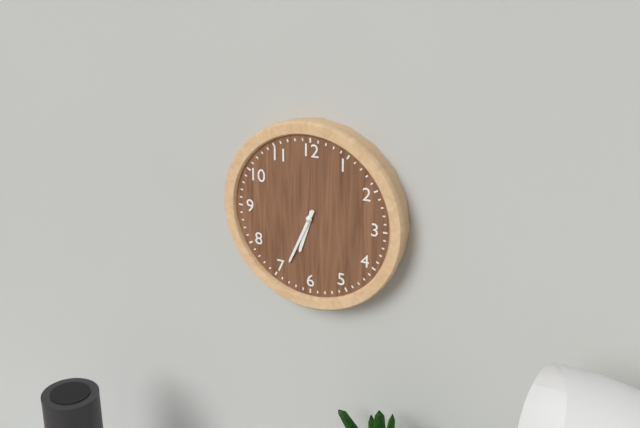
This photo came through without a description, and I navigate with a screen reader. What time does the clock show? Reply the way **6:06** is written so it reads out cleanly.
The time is **6:34**
